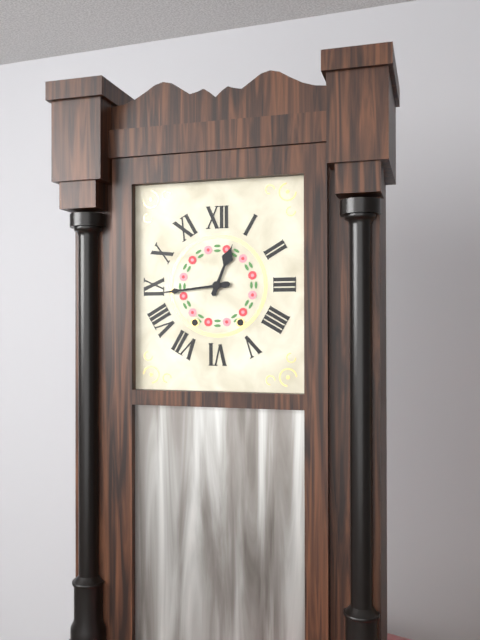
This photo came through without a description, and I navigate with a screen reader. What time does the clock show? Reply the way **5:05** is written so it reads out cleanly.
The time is **12:44**
